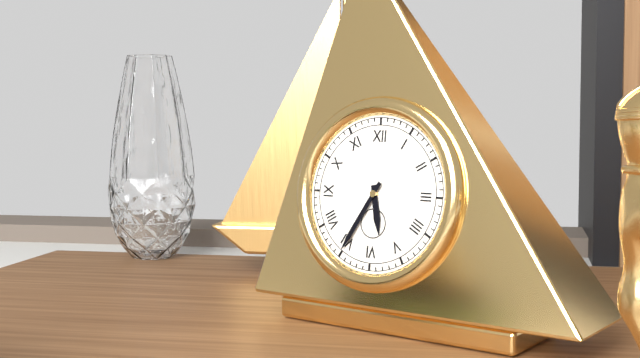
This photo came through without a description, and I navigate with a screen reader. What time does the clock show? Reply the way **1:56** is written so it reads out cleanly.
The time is **5:35**
